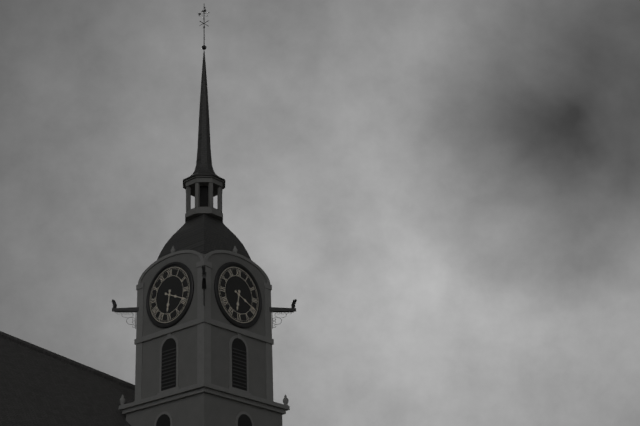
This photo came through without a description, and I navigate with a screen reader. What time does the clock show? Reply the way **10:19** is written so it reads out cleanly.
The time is **6:19**
